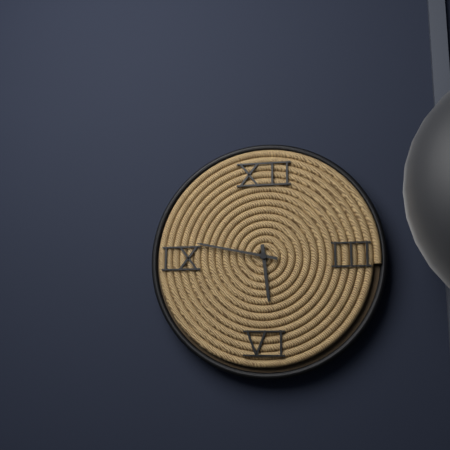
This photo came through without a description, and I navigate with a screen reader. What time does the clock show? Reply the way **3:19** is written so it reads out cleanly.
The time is **5:47**
